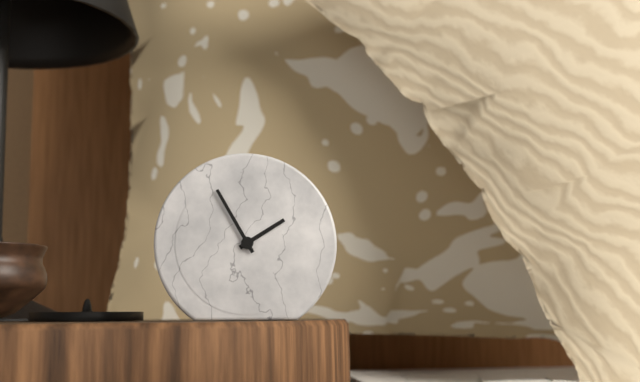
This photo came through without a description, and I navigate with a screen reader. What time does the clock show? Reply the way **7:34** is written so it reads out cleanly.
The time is **1:55**
